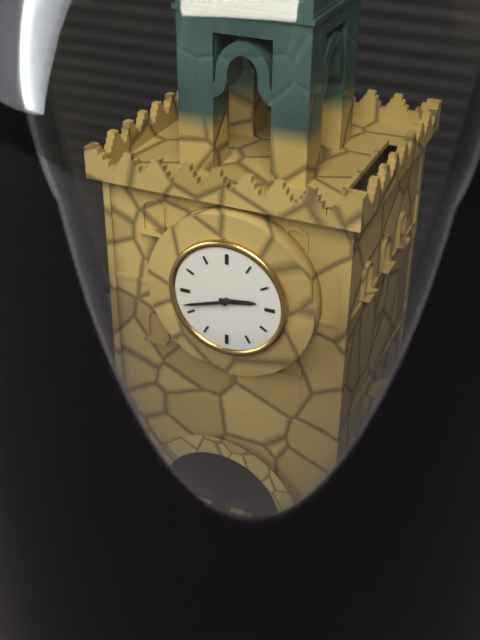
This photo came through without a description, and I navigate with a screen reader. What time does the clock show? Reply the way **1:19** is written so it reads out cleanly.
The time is **2:42**
